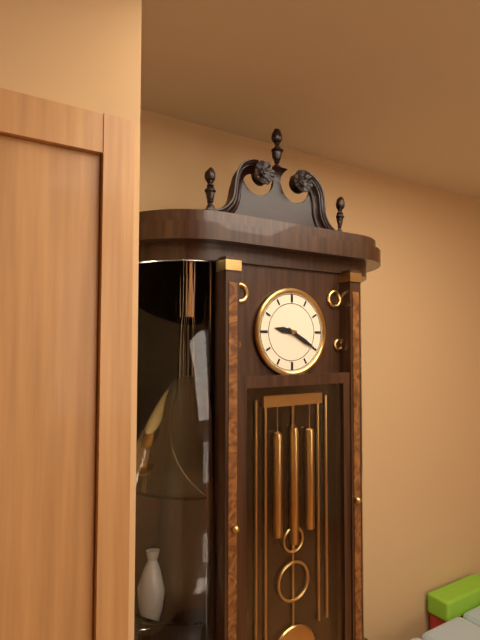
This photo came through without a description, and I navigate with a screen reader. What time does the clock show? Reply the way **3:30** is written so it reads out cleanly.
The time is **9:20**
